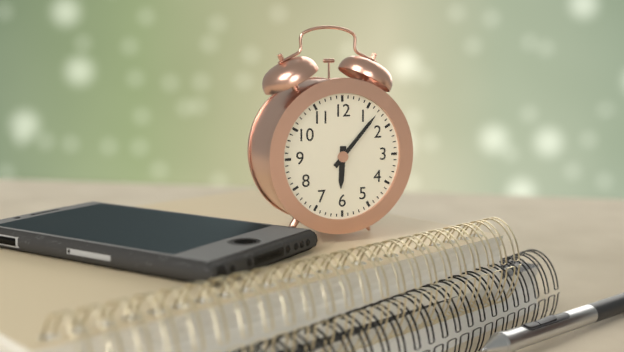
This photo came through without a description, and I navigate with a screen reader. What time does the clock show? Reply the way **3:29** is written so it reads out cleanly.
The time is **6:07**
